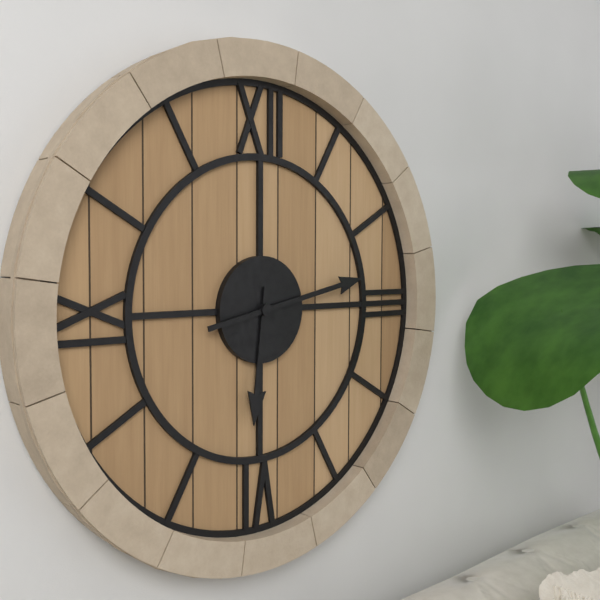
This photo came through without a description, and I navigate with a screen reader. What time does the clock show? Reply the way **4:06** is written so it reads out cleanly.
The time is **6:13**
